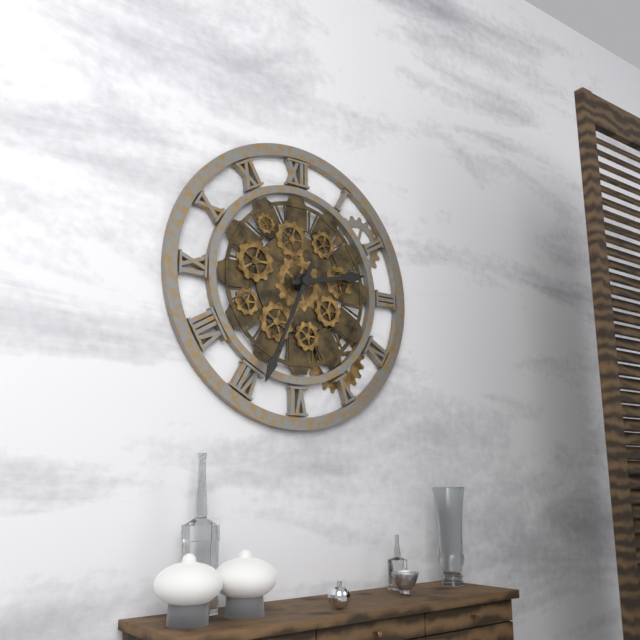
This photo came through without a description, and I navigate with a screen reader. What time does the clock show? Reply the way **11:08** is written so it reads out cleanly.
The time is **2:34**
